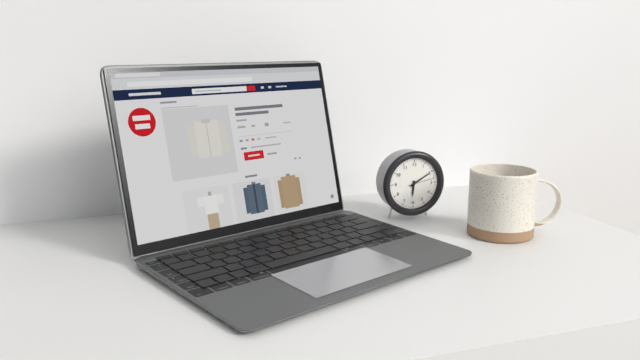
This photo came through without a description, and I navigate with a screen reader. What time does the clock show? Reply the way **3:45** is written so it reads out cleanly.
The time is **6:10**
